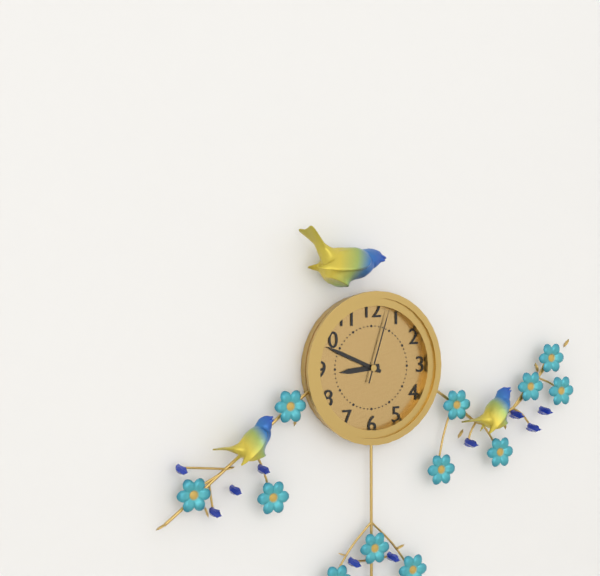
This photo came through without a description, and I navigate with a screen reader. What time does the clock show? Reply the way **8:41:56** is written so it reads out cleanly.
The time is **8:49:03**
